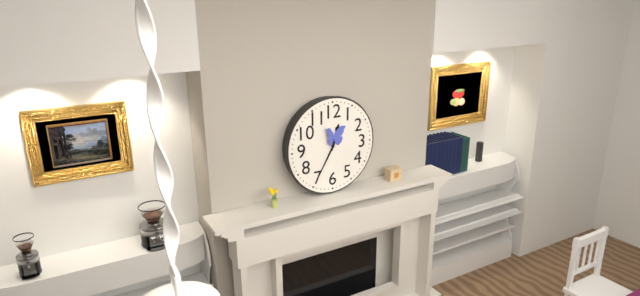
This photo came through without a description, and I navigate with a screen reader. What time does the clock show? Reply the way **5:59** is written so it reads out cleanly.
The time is **12:35**
